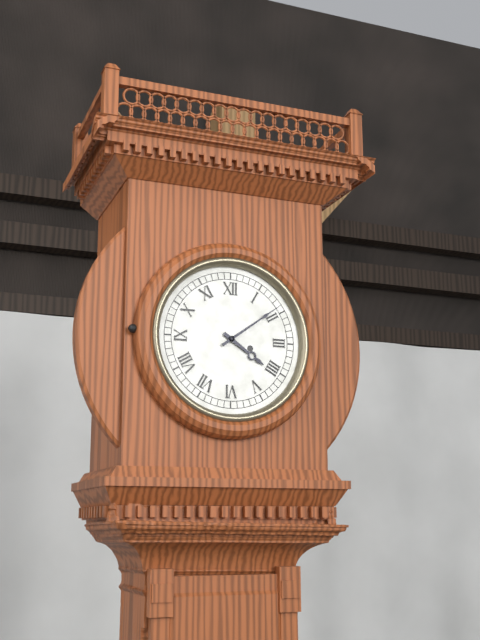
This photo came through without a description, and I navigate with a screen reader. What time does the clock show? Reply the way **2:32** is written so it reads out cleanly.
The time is **4:09**
